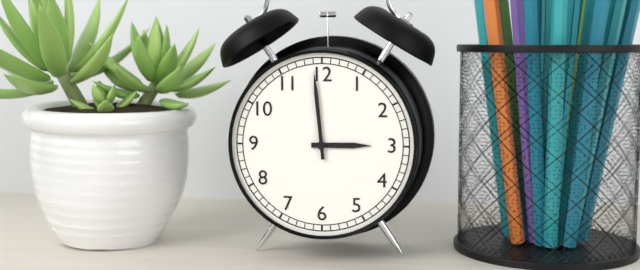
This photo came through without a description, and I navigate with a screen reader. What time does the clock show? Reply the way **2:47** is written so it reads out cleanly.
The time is **2:59**
